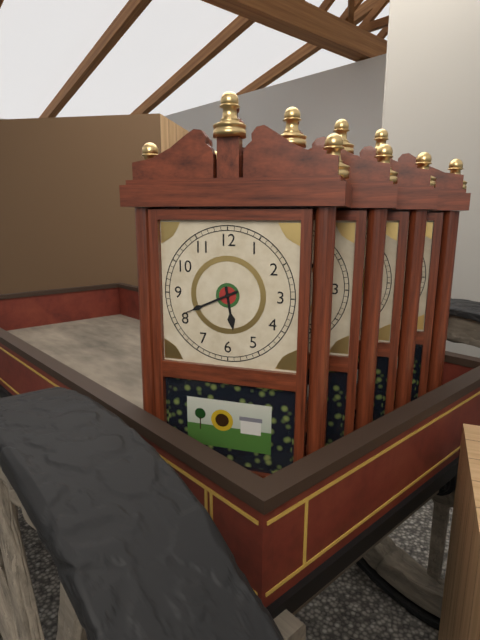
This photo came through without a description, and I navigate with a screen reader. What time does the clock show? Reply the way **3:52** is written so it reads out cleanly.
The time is **5:41**
